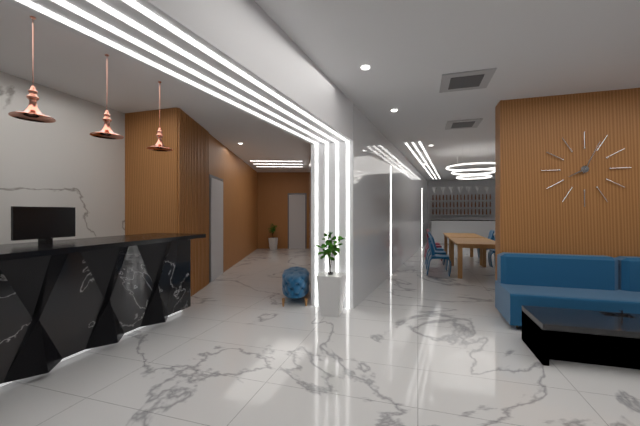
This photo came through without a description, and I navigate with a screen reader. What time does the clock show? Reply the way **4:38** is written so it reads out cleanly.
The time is **8:04**
